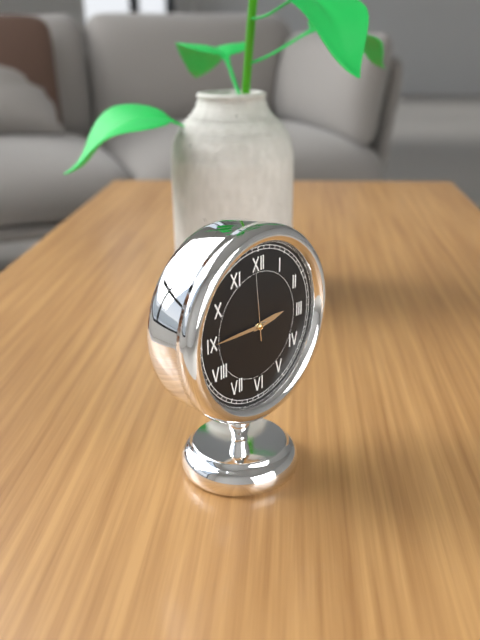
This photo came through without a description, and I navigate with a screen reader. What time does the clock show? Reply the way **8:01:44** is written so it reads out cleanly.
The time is **2:45:59**
